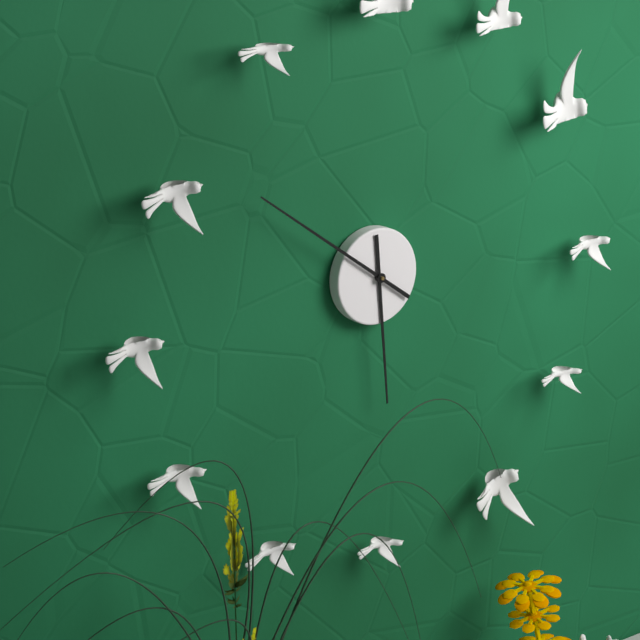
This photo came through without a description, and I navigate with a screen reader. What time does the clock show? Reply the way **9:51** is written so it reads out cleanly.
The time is **5:51**
